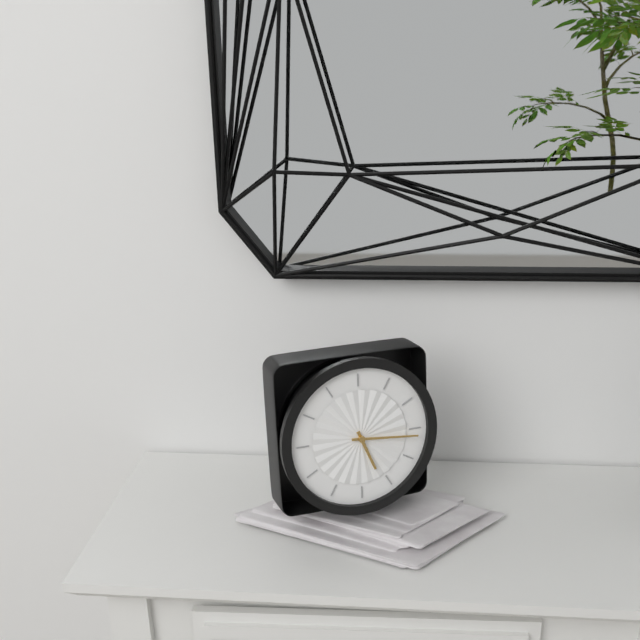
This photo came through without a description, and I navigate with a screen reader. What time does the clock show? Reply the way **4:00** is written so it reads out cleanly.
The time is **5:16**
